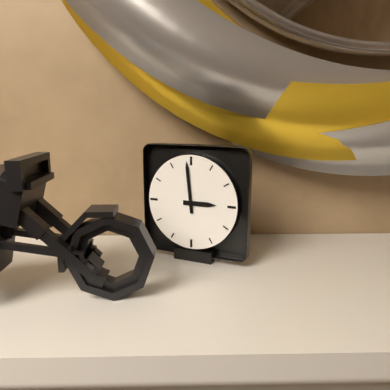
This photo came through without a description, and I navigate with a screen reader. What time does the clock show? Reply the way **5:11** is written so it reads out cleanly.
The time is **2:59**
